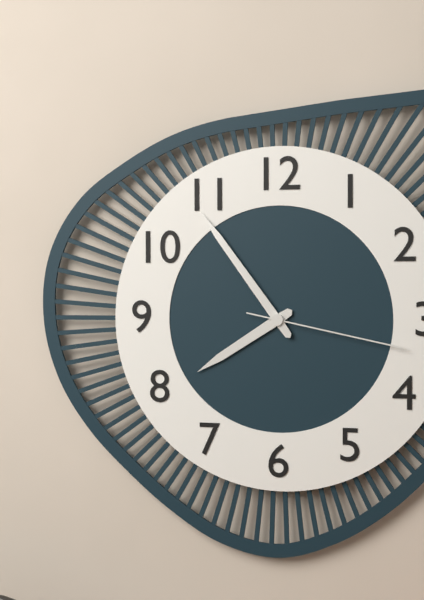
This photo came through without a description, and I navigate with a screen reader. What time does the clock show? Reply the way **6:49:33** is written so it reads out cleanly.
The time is **7:54:17**
